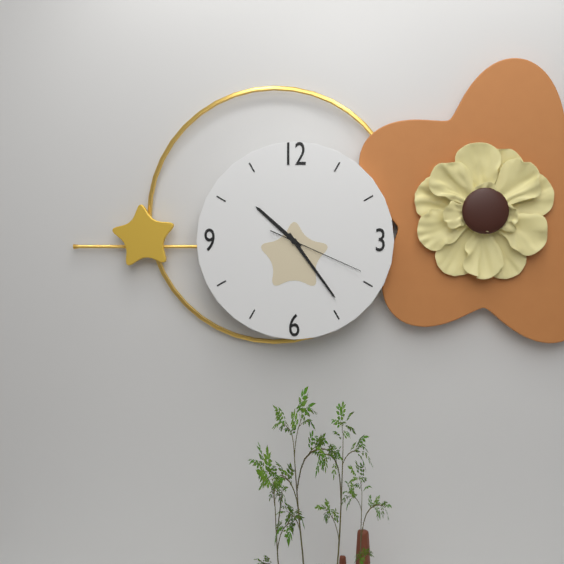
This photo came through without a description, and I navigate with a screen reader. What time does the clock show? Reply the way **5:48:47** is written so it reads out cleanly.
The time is **10:24:19**
